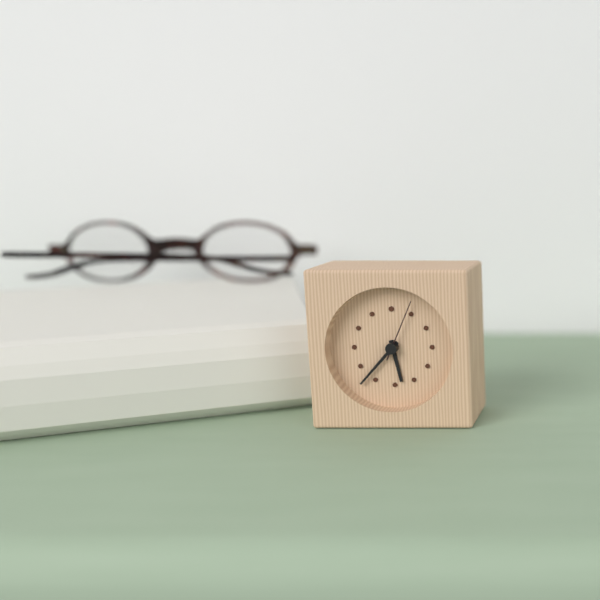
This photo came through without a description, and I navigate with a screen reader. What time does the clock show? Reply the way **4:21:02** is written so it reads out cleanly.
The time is **5:37:04**
